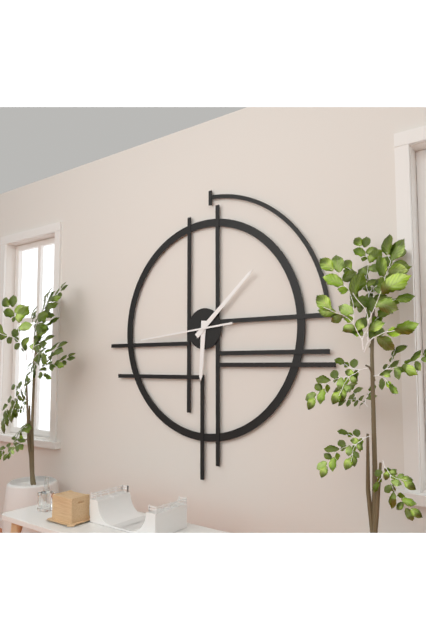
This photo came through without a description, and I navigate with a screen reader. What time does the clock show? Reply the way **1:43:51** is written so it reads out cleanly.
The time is **6:08:44**
